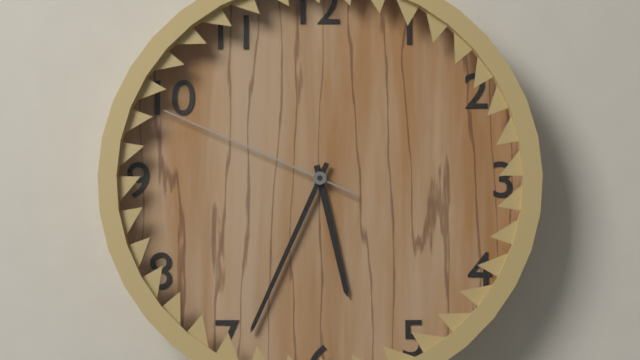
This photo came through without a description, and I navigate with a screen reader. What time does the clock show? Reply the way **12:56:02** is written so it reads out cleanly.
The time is **5:34:49**
